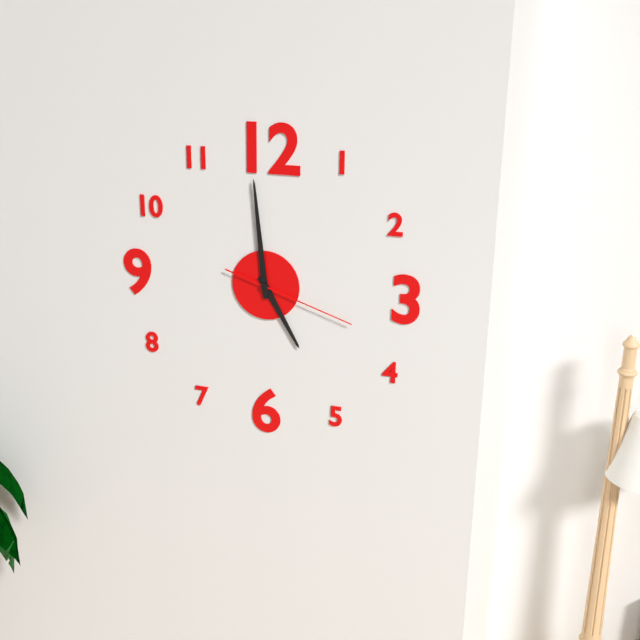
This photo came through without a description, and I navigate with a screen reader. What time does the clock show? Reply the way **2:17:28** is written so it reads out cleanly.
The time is **4:59:18**
